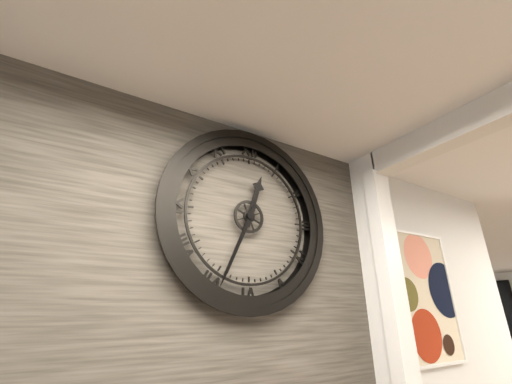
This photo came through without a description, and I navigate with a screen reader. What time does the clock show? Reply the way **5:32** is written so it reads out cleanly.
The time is **12:34**
